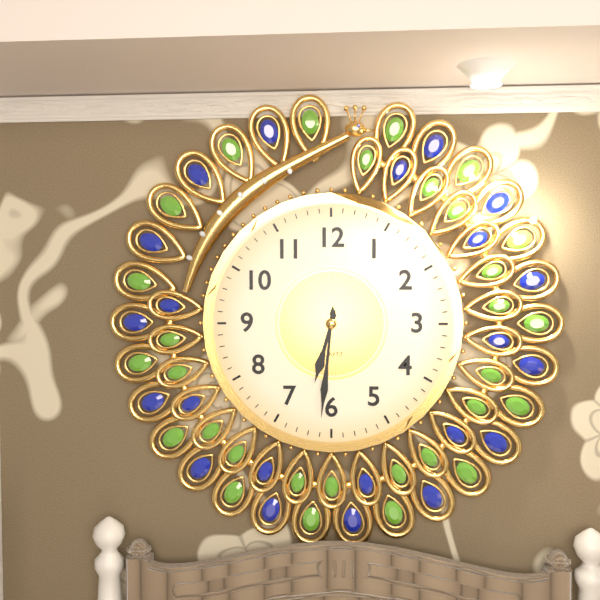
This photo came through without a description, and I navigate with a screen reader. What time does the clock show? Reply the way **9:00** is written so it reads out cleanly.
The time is **6:31**
